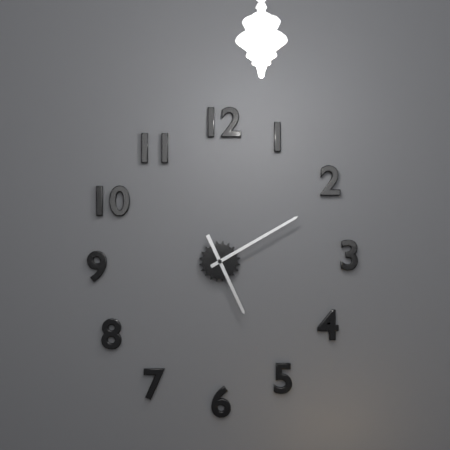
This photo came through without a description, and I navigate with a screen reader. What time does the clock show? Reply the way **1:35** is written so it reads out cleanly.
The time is **5:10**
